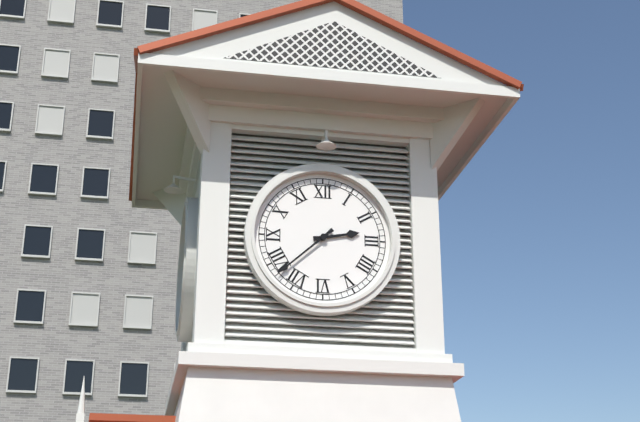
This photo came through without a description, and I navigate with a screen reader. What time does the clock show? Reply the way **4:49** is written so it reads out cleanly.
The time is **2:38**
